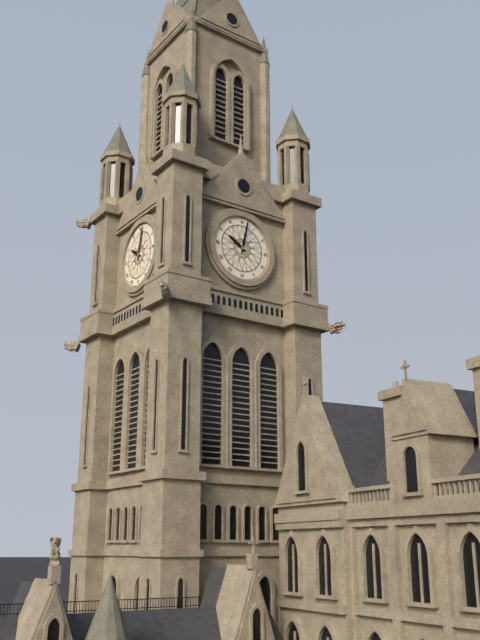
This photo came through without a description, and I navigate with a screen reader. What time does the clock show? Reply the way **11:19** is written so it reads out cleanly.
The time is **10:02**
